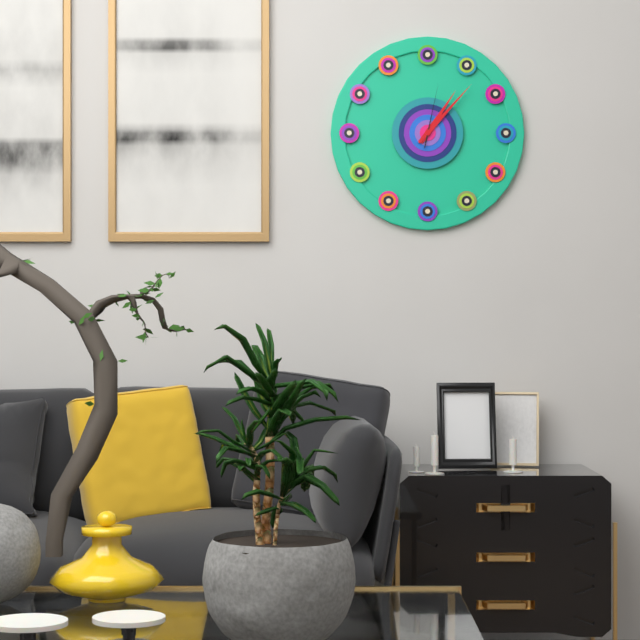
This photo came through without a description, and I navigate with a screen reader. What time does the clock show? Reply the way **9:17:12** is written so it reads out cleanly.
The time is **1:07:02**
